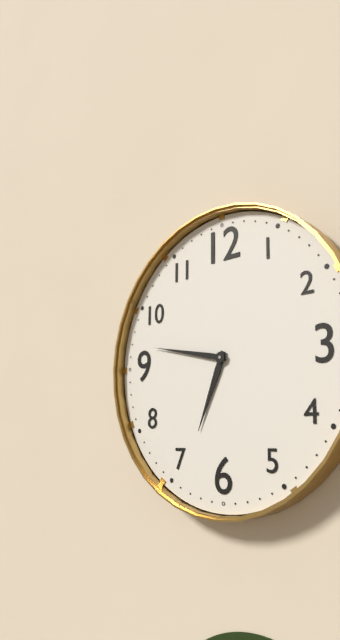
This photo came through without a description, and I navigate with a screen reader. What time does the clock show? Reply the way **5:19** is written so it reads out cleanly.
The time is **6:47**
